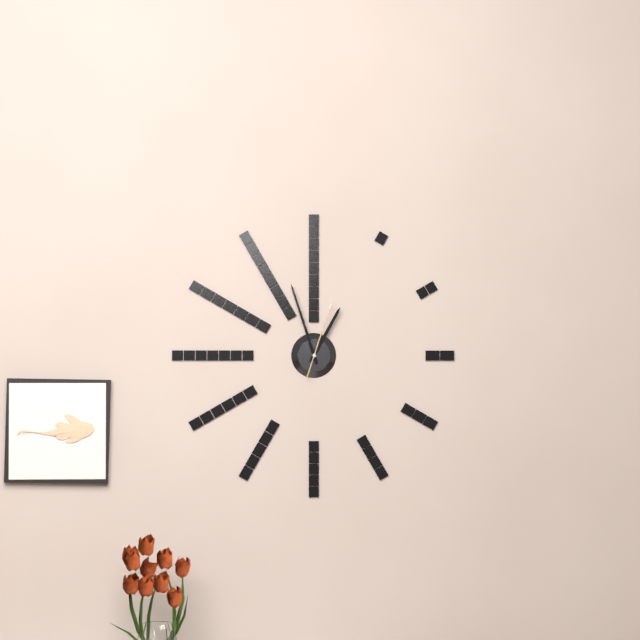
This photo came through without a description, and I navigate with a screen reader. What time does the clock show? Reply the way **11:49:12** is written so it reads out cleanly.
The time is **12:57:03**
